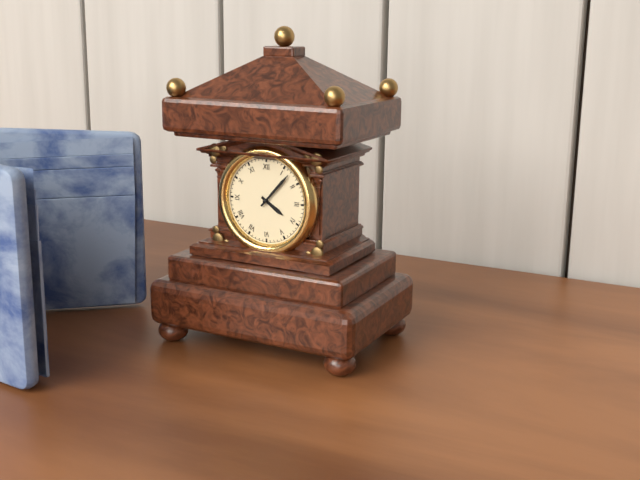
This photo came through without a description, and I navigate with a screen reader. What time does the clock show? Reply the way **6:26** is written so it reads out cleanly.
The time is **4:07**
